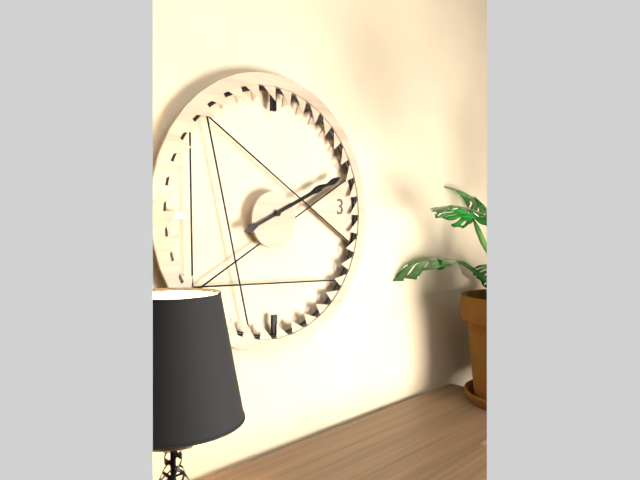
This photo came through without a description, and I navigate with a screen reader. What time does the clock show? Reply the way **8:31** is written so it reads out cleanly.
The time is **2:11**
